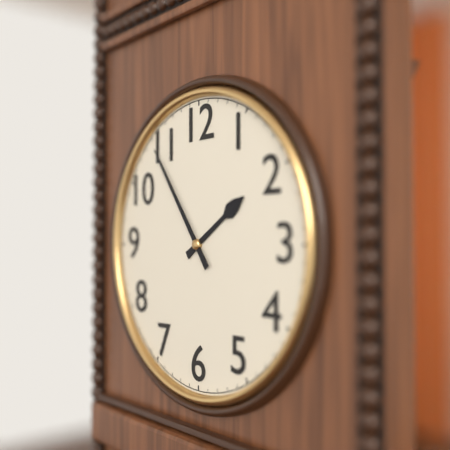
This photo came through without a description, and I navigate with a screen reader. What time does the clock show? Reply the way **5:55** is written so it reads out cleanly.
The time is **1:54**
